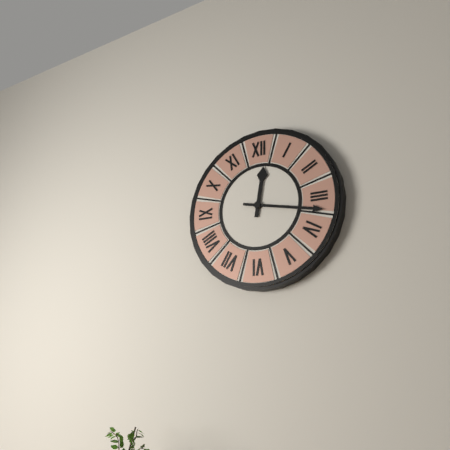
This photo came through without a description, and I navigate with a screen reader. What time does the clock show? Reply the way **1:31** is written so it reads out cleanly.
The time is **12:17**
